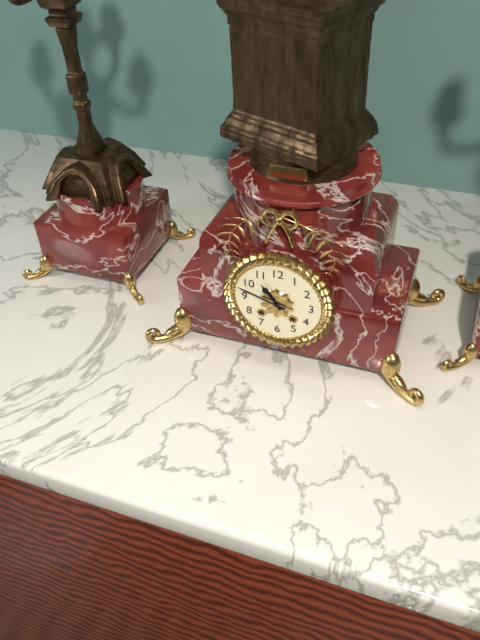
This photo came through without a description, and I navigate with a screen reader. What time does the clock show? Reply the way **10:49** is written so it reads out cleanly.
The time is **10:48**
